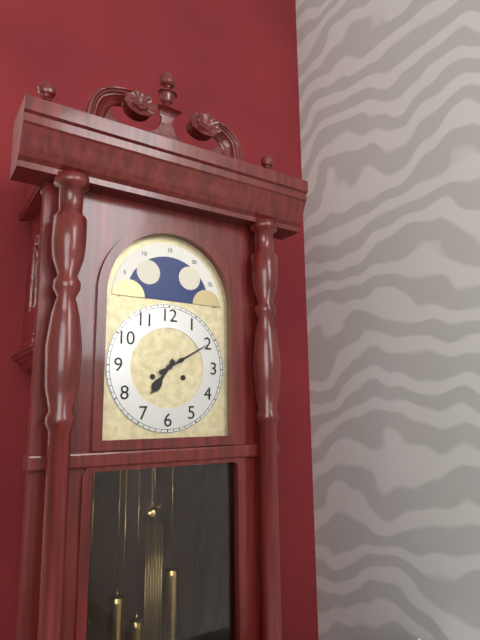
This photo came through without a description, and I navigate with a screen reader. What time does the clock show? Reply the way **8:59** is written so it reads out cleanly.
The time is **7:10**
